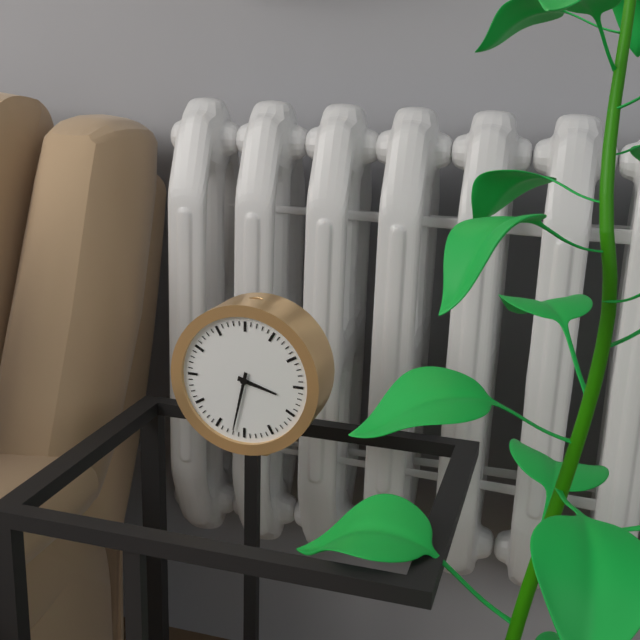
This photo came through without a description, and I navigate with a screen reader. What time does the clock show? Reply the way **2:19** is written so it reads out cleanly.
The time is **3:32**
